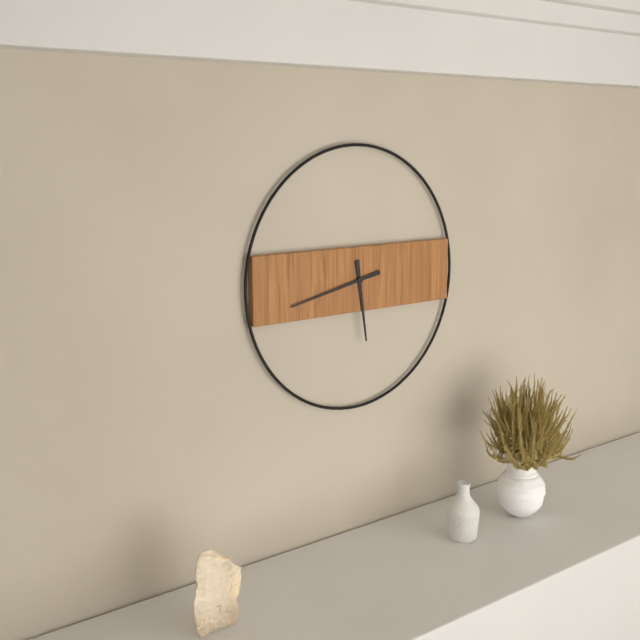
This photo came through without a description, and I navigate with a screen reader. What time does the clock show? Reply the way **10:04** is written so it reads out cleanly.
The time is **5:43**
